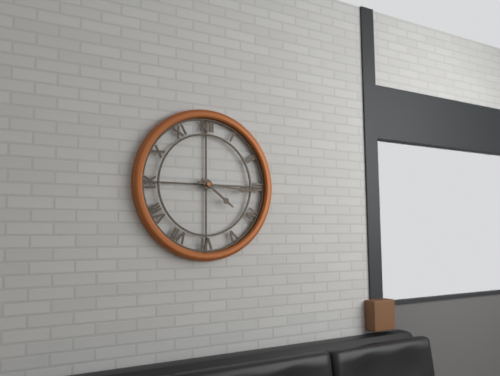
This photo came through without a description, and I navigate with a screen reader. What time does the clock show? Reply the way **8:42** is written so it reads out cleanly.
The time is **4:16**
